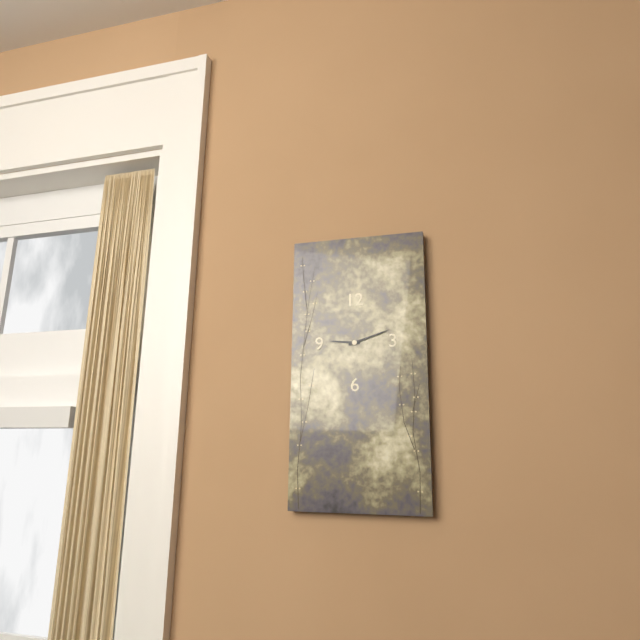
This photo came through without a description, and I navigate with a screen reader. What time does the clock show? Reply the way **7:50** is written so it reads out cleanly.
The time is **9:12**
